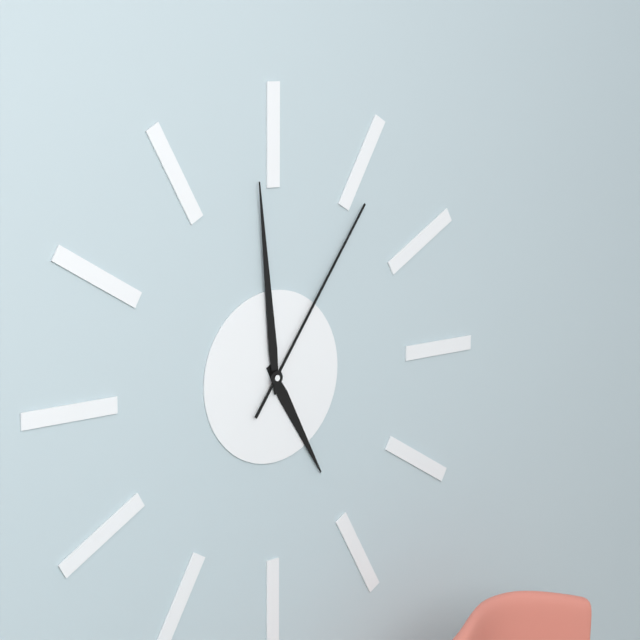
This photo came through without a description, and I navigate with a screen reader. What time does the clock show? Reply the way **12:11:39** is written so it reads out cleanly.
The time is **4:59:06**
